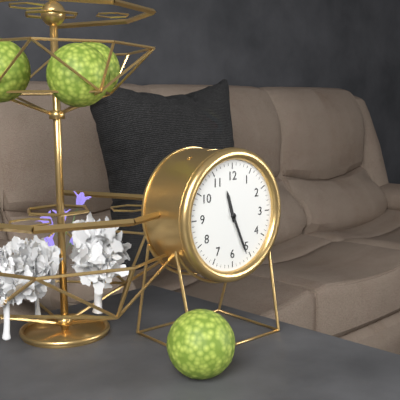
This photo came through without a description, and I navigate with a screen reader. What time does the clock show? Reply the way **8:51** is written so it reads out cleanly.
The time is **11:26**
